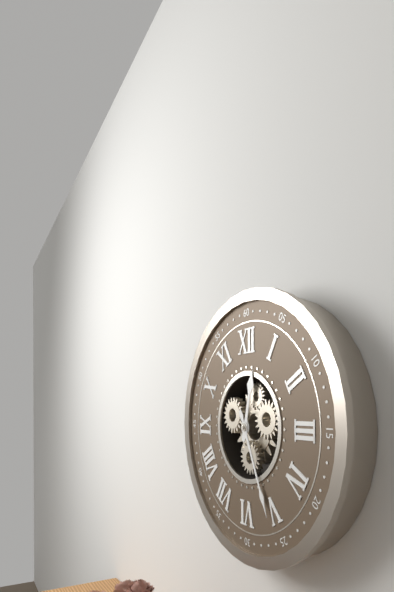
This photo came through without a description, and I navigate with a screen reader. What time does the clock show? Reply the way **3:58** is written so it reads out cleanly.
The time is **12:26**
